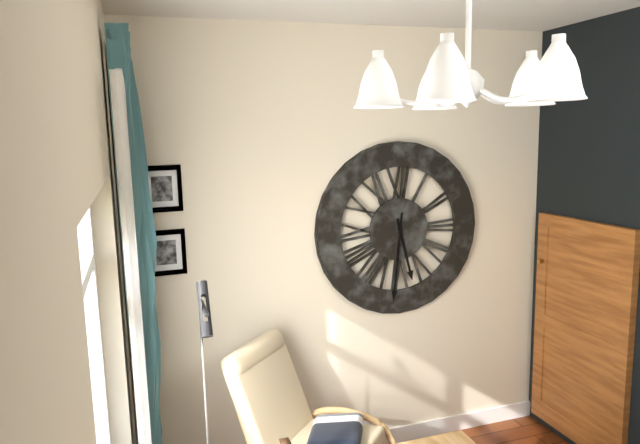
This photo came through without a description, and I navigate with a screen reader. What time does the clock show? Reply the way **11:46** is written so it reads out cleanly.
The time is **5:31**
